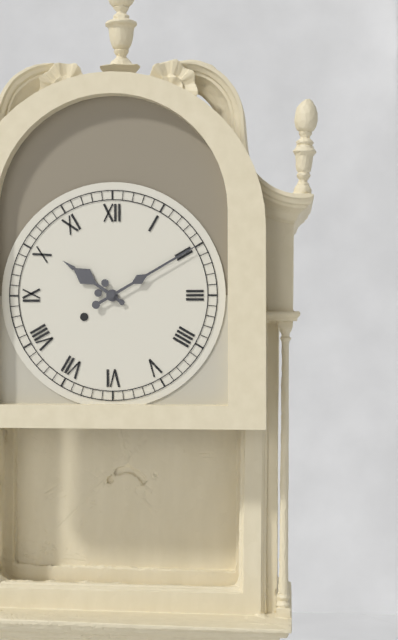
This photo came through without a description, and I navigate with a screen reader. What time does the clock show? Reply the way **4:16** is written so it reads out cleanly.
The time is **10:10**
